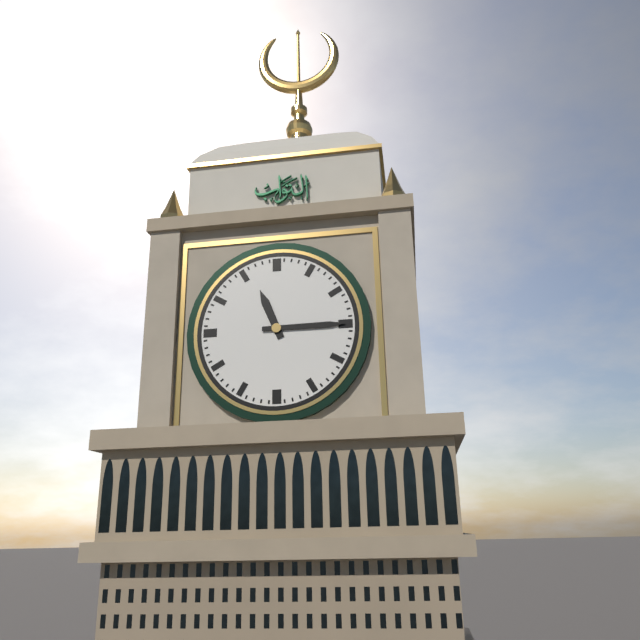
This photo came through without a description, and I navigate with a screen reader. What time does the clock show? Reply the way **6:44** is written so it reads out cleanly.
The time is **11:15**
